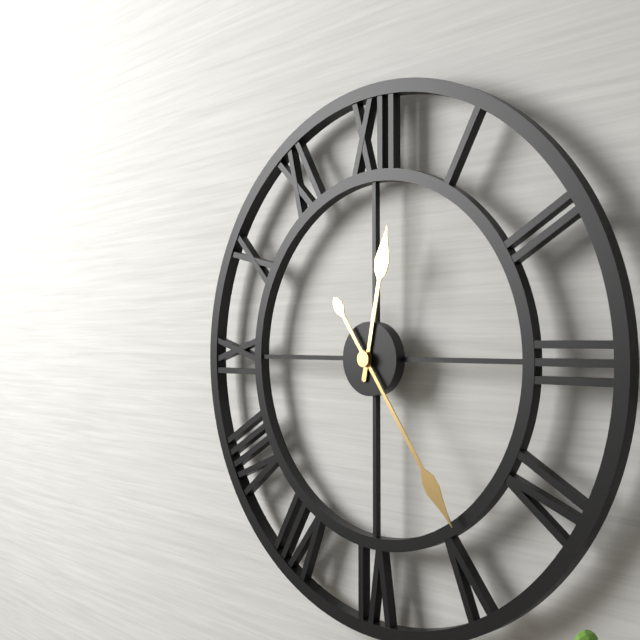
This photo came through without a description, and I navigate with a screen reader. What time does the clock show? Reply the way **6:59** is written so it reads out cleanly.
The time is **12:24**
